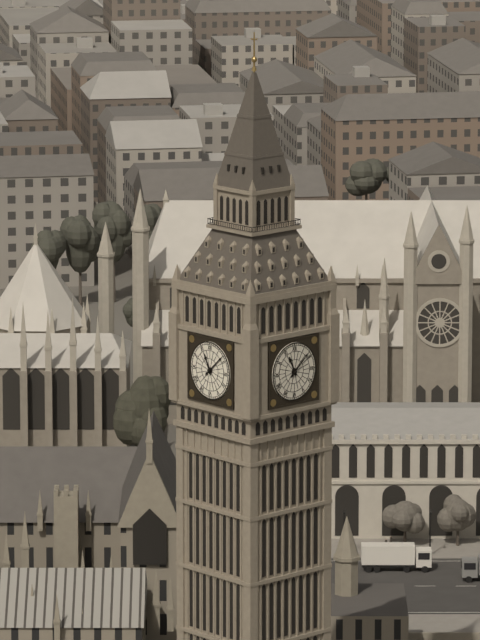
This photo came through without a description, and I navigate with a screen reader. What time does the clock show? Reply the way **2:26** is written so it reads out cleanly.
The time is **11:08**
